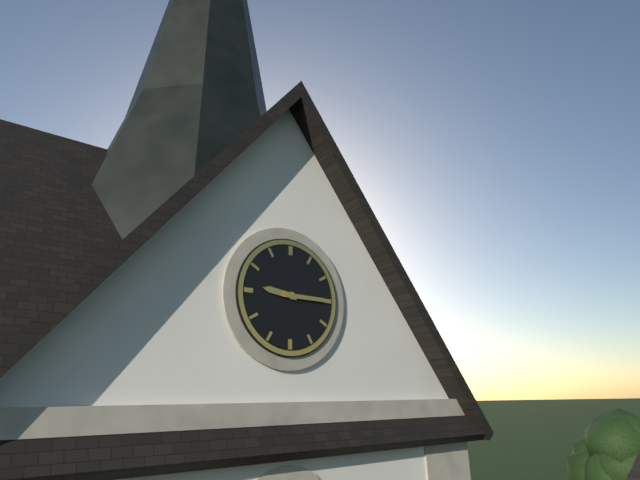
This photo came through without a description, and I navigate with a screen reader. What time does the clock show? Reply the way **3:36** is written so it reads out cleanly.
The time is **9:15**
